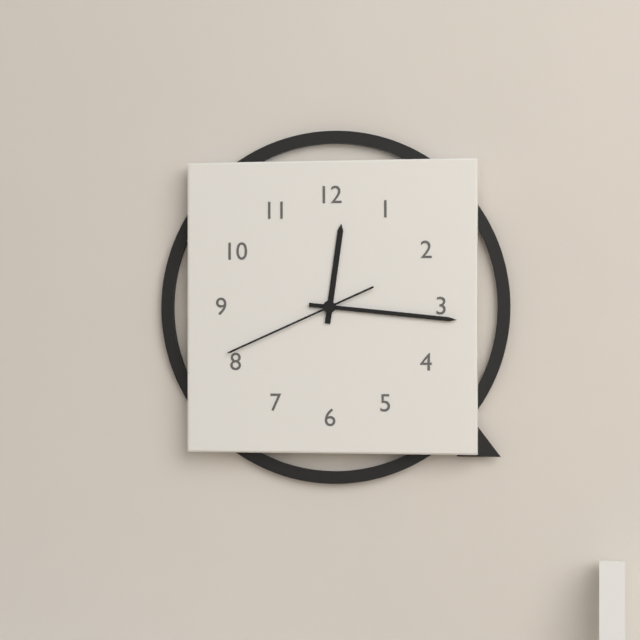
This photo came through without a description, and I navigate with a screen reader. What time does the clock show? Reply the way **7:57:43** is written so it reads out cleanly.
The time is **12:16:41**
